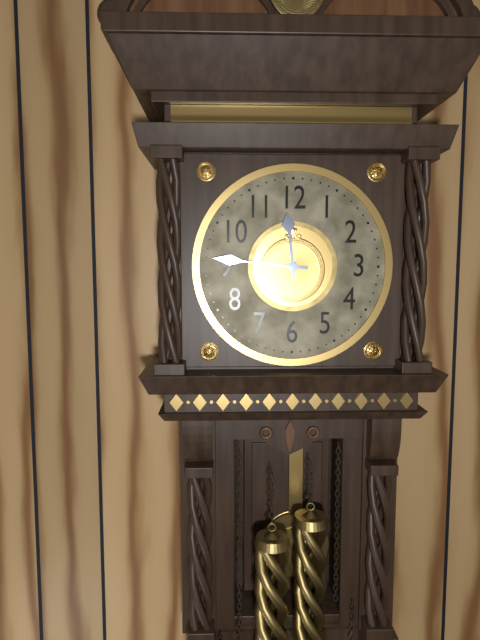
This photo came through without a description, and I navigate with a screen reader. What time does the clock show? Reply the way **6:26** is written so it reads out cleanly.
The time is **11:46**
